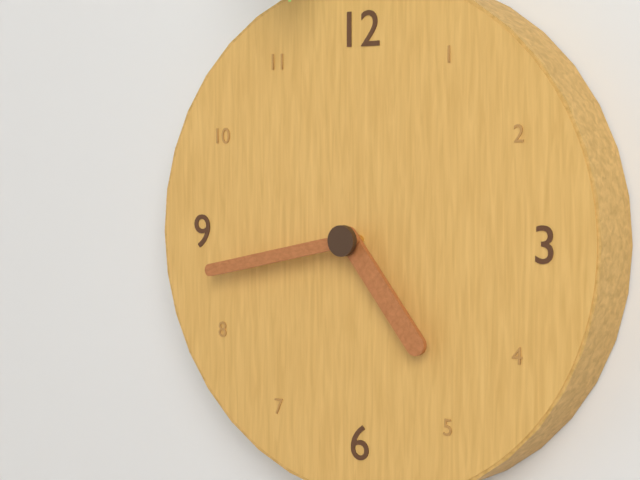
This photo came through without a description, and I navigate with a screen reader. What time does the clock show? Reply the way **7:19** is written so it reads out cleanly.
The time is **4:43**
